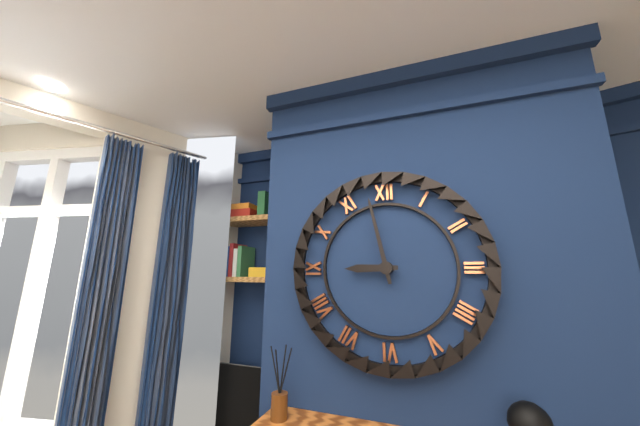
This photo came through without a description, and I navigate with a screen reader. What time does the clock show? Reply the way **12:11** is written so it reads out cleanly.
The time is **8:58**
